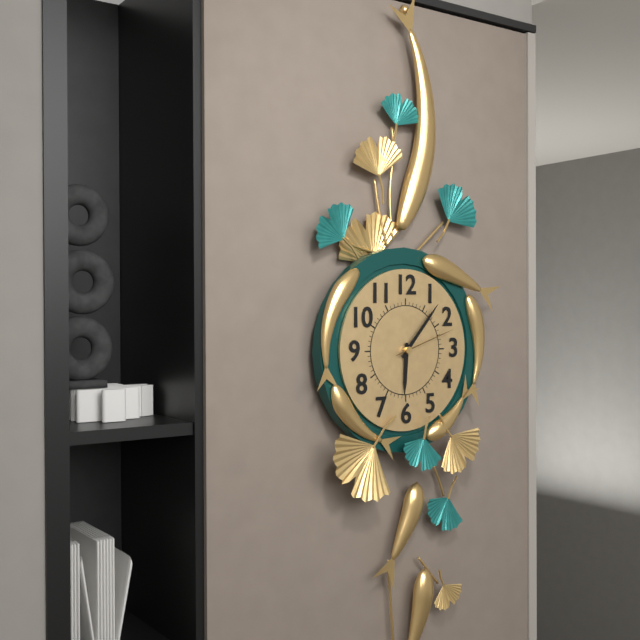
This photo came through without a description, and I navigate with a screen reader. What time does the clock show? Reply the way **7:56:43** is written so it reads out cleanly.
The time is **6:07:12**
